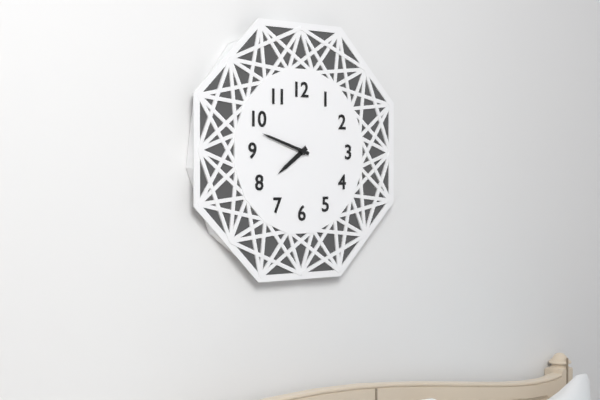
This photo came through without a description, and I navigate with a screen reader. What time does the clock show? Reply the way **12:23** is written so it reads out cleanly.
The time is **7:48**
